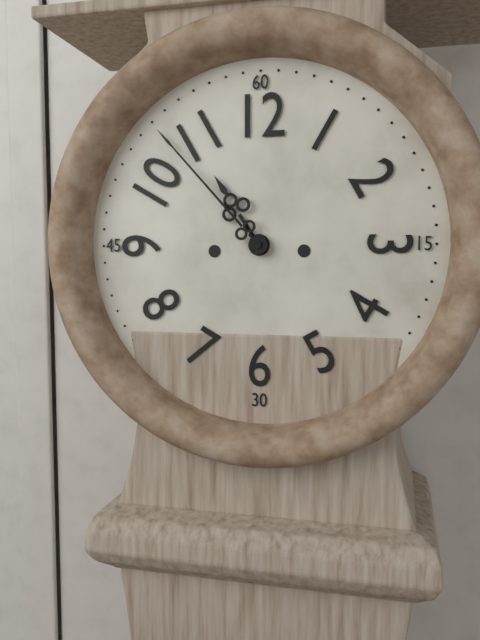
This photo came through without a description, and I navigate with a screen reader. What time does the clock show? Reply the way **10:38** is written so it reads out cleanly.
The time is **10:53**
